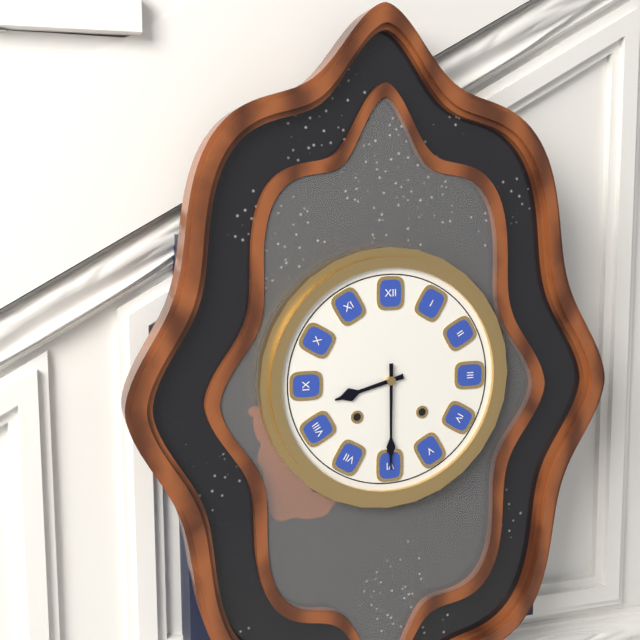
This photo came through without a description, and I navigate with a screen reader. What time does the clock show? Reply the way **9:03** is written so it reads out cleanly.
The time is **8:30**
